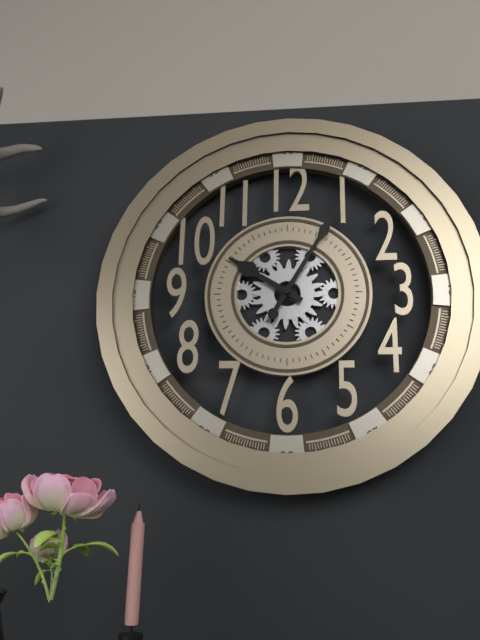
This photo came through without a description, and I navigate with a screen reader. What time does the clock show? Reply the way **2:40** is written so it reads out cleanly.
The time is **10:05**
